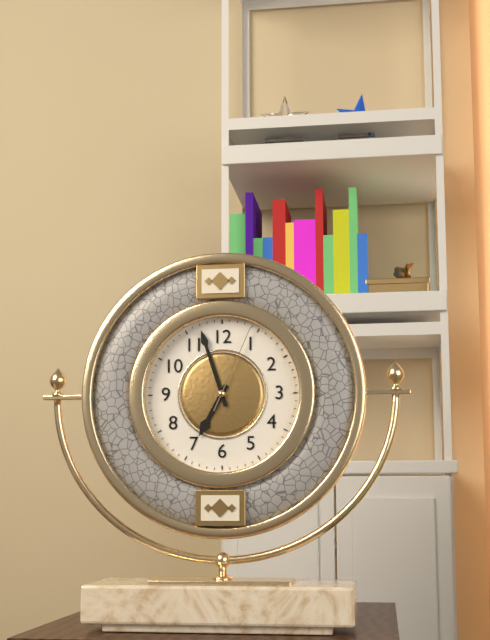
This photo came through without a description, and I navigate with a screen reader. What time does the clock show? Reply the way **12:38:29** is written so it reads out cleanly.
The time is **6:57:04**
